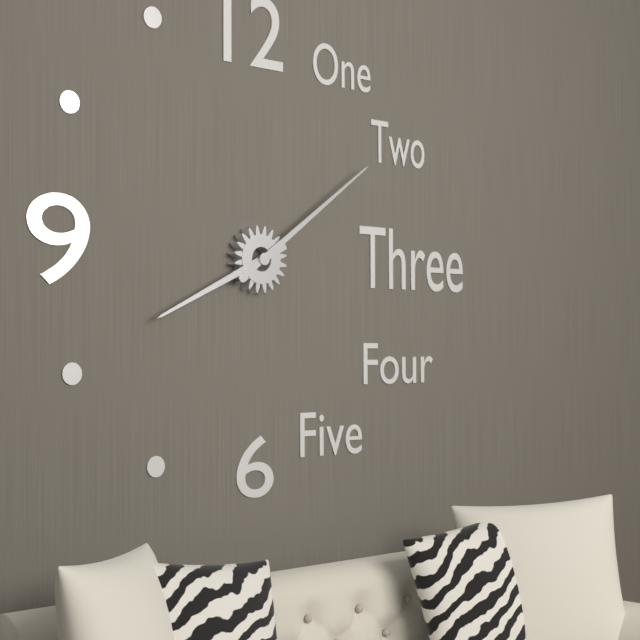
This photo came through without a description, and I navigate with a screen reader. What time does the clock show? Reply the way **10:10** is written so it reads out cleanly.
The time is **8:09**
